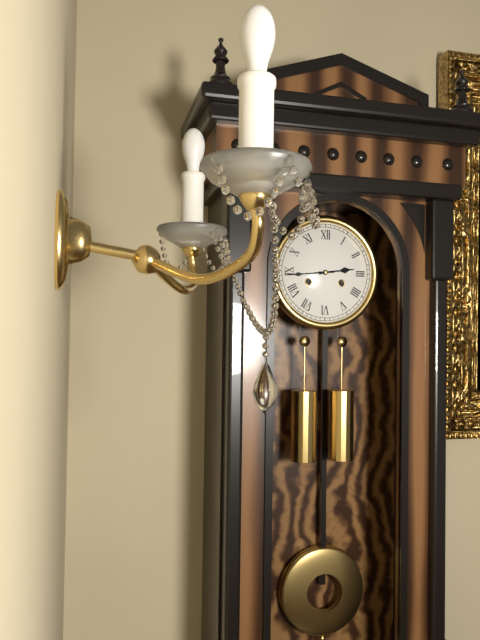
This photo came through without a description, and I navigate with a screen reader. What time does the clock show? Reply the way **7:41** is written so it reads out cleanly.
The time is **2:44**
